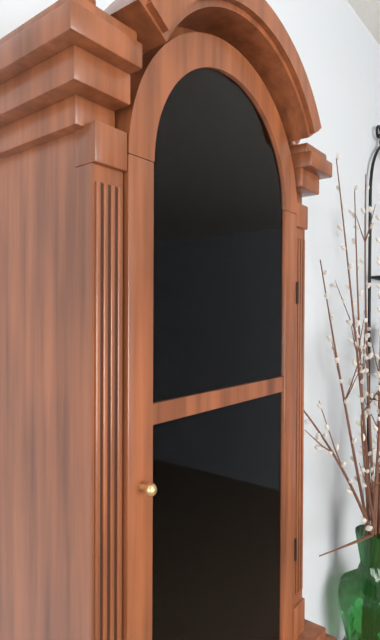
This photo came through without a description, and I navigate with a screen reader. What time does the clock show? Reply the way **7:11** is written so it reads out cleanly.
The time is **8:57**
